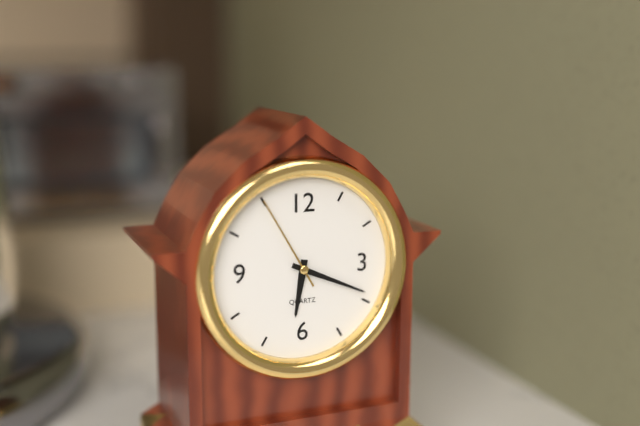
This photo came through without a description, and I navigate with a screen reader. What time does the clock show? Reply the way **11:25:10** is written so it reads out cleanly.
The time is **6:19:55**
